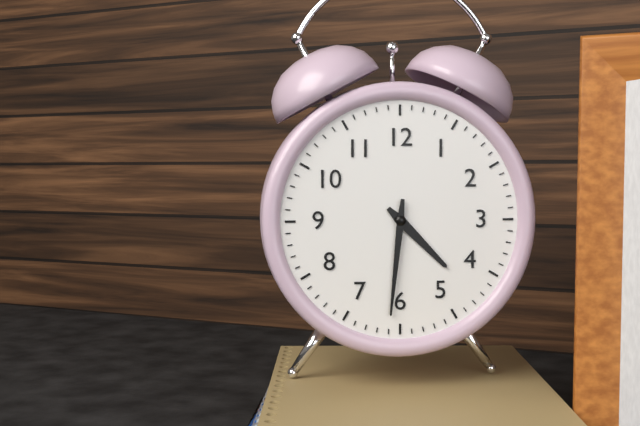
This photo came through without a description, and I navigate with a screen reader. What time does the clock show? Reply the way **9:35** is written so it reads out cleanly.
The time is **4:31**
